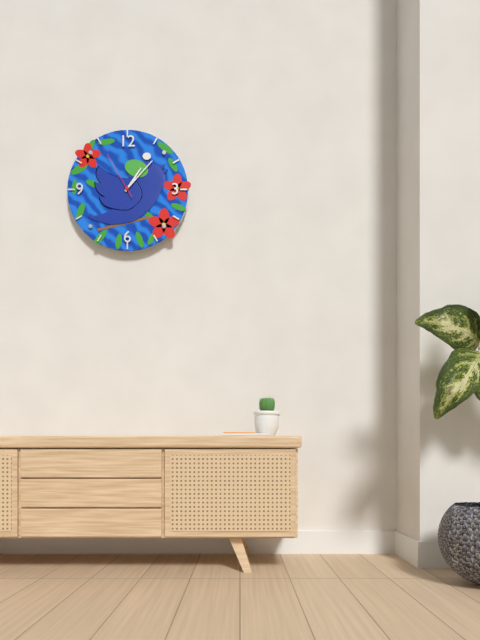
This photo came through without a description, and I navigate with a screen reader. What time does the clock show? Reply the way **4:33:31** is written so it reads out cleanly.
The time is **1:07:55**
